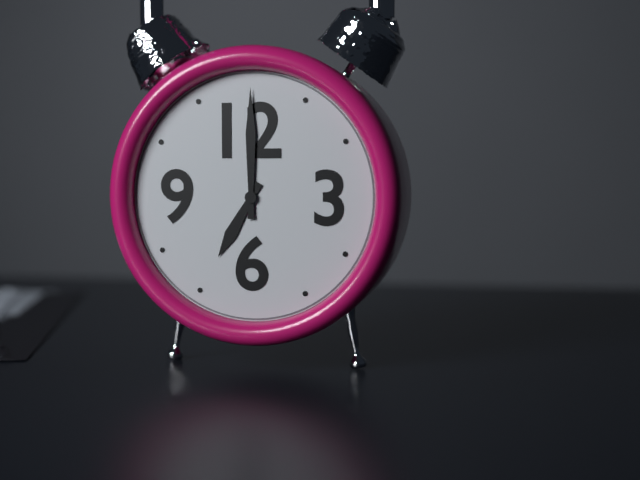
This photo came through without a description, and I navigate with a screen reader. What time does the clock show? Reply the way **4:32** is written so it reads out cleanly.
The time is **7:00**
